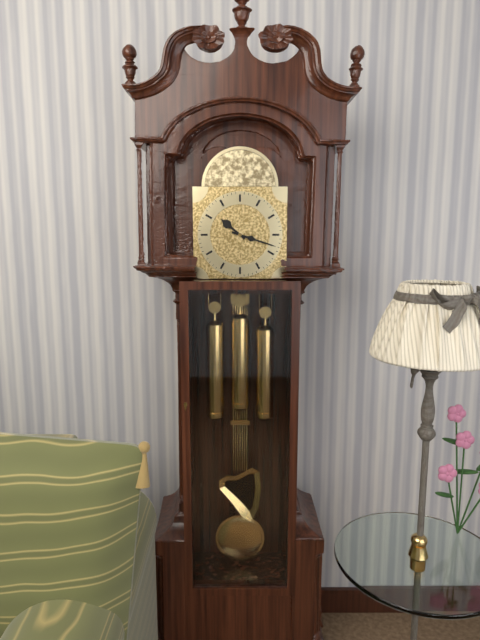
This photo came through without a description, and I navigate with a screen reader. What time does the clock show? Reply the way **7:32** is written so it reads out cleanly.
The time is **10:18**
